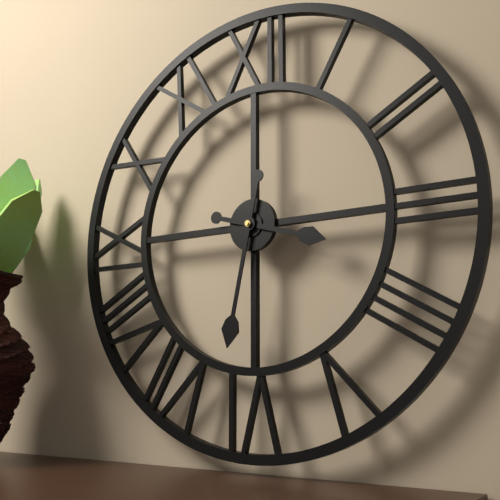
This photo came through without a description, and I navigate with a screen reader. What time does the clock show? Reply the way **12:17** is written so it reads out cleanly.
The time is **3:32**
